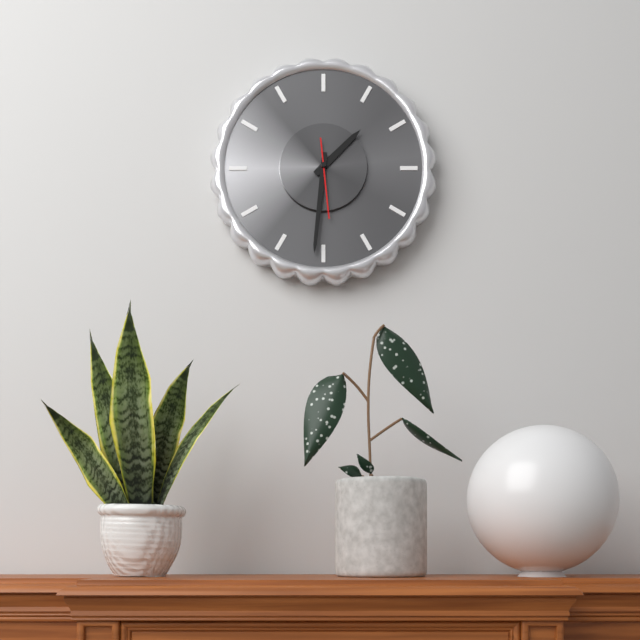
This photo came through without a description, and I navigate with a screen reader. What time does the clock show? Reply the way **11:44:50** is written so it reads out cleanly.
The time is **1:31:29**
